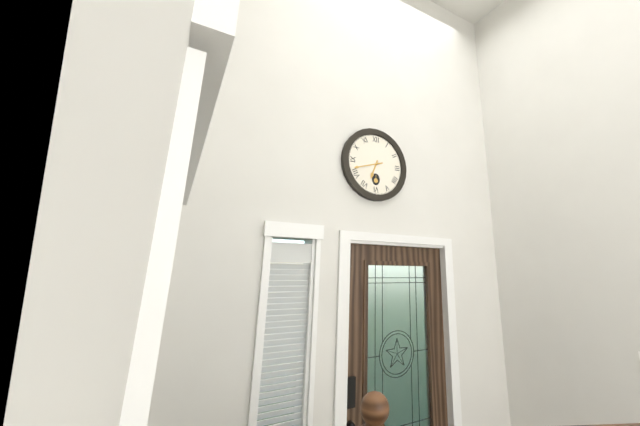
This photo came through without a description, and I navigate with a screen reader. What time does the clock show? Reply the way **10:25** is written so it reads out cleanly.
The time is **6:42**
